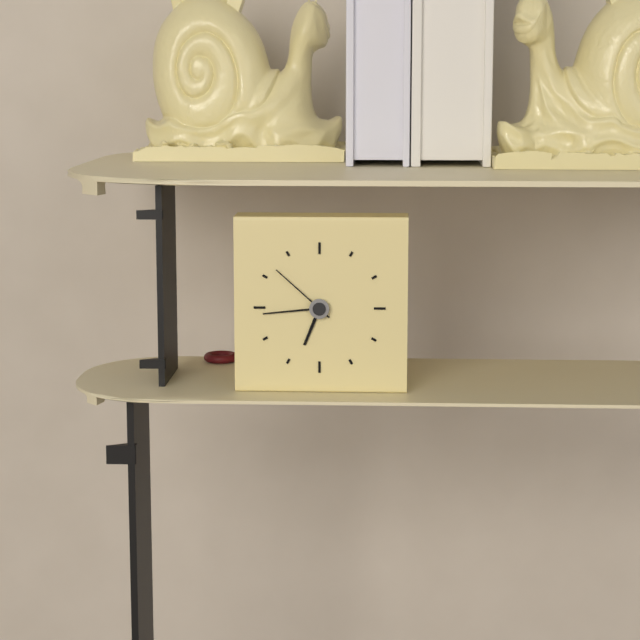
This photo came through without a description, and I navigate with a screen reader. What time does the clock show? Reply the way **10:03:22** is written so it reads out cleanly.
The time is **6:44:52**
